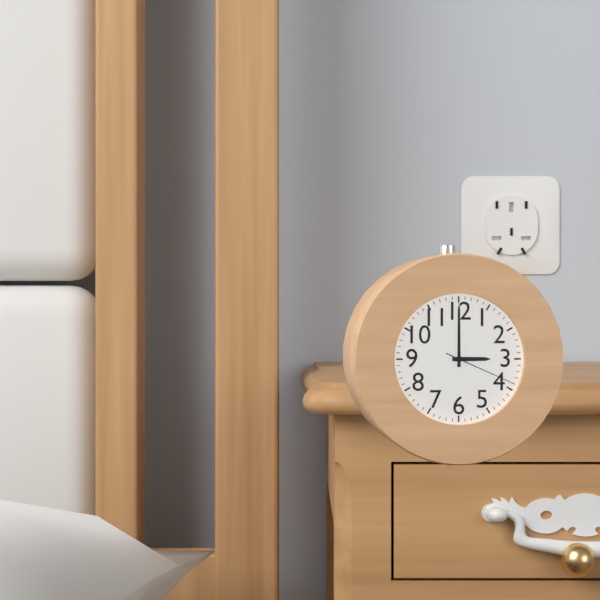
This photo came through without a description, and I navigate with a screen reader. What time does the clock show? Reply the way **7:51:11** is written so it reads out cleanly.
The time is **3:00:19**
